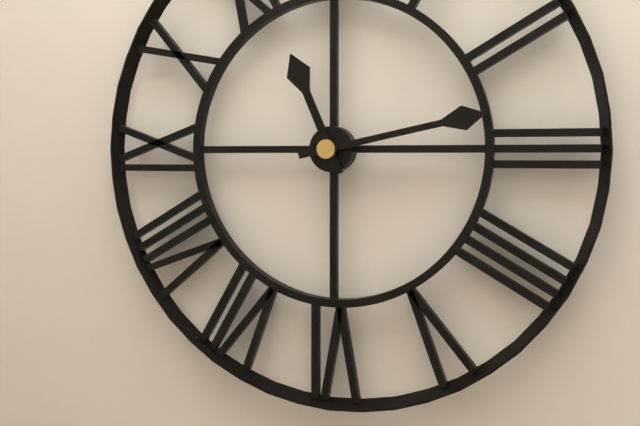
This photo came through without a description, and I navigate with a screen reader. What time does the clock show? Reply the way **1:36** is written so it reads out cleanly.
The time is **11:13**
